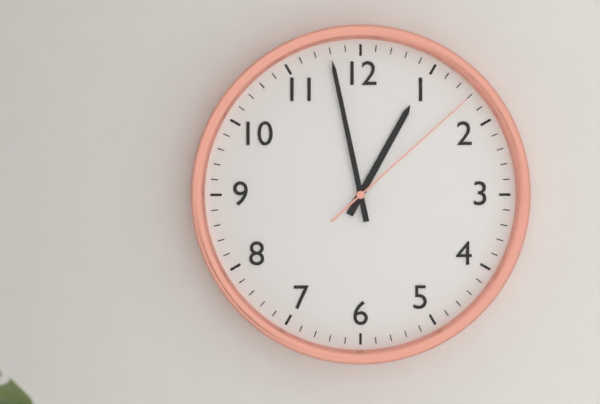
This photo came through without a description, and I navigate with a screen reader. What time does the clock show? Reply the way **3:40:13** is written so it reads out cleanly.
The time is **12:58:08**
